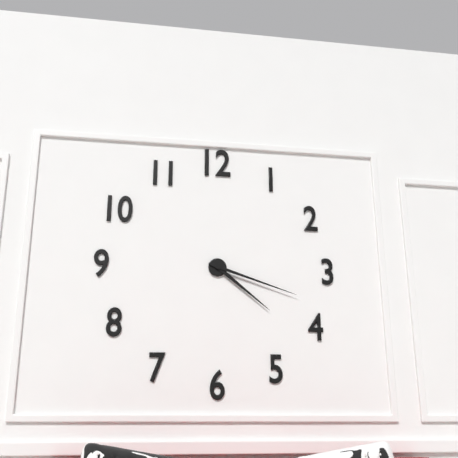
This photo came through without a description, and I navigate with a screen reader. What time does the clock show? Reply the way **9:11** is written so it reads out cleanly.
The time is **4:18**
